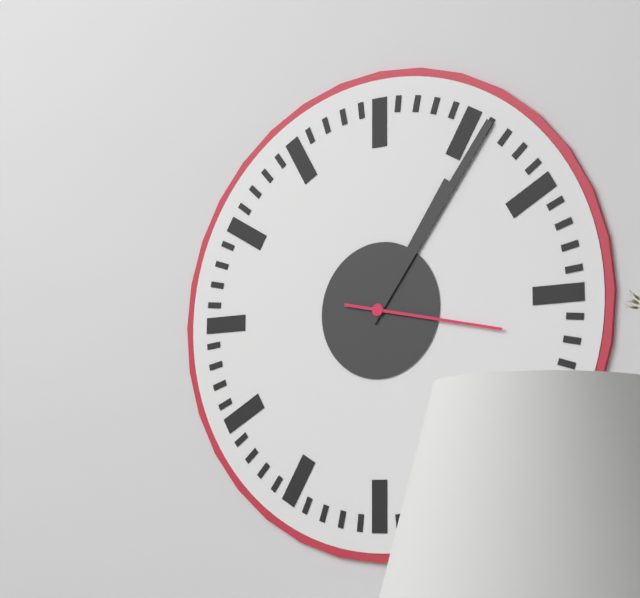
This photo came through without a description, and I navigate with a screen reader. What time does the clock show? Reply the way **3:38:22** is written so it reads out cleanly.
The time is **1:06:17**
